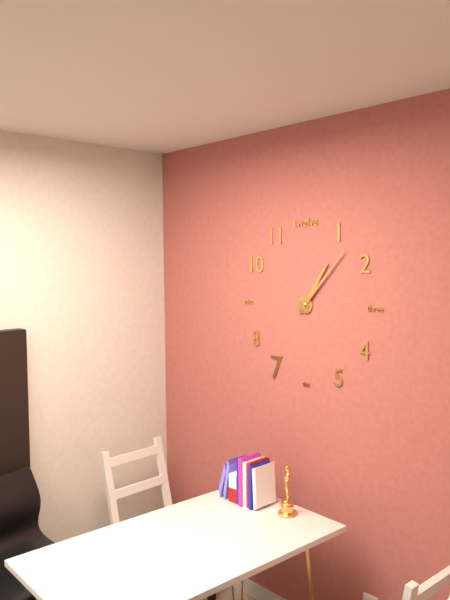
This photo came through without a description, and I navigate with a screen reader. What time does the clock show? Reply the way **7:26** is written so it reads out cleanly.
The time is **1:07**
